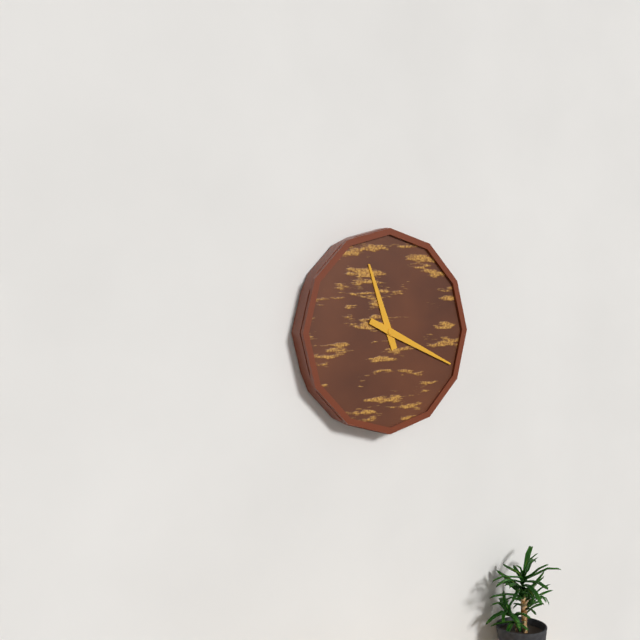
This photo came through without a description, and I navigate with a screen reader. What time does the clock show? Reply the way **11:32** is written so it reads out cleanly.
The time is **11:19**
